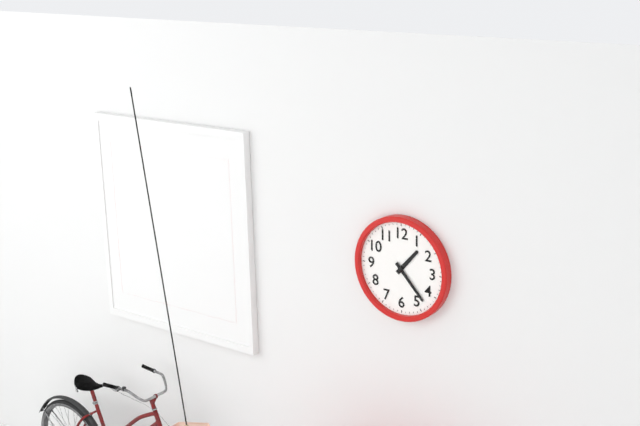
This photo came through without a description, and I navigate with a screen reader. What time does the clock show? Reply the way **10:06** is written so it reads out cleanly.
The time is **1:23**
